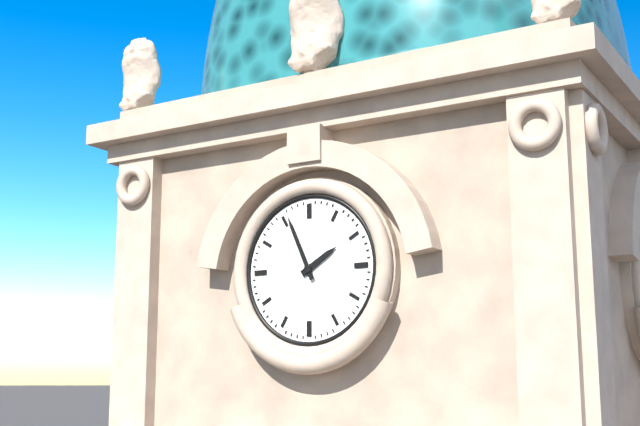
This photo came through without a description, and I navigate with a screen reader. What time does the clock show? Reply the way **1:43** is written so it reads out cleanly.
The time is **1:56**
